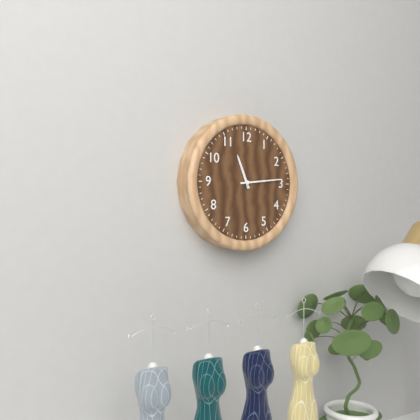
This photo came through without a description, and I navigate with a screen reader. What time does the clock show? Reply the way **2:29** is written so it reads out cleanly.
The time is **11:14**
